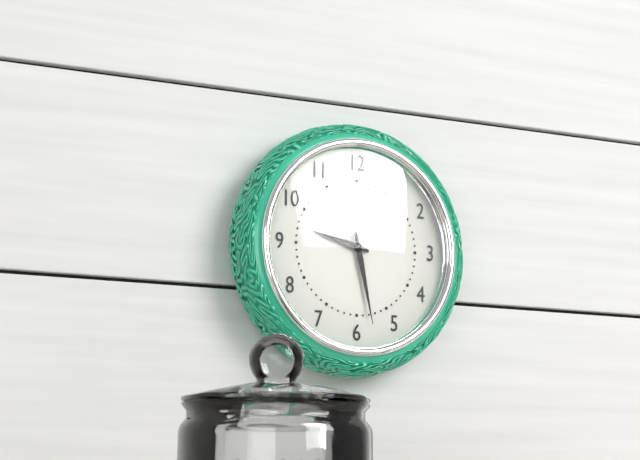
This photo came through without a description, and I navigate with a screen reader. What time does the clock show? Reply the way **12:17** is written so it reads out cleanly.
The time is **9:28**
